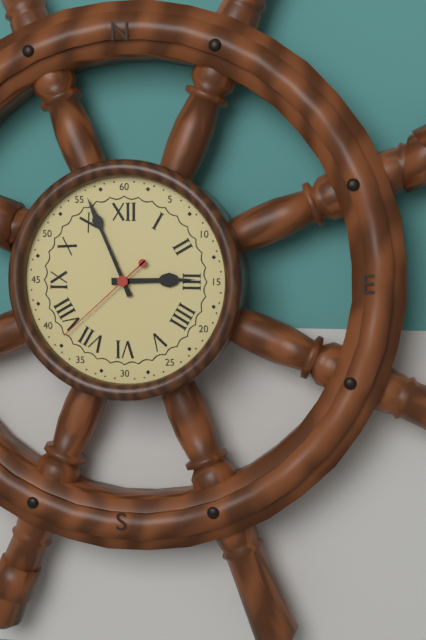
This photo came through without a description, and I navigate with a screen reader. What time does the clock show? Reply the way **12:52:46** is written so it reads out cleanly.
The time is **2:56:38**
